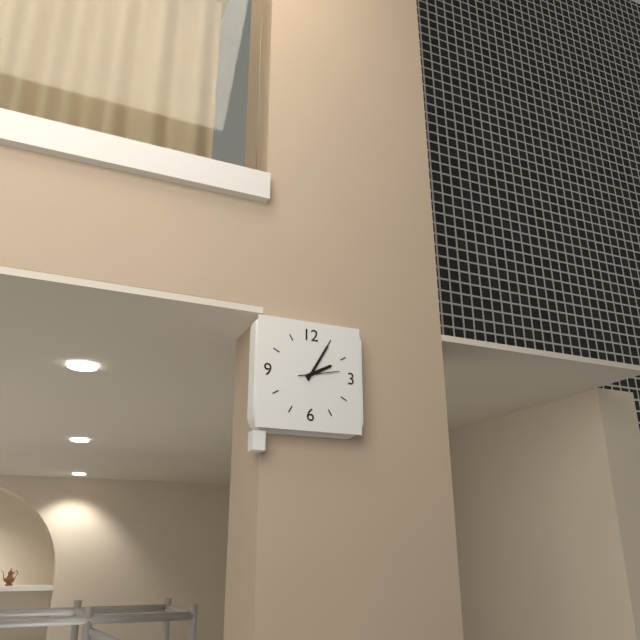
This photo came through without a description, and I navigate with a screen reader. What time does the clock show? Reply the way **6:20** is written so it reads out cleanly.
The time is **2:05**
